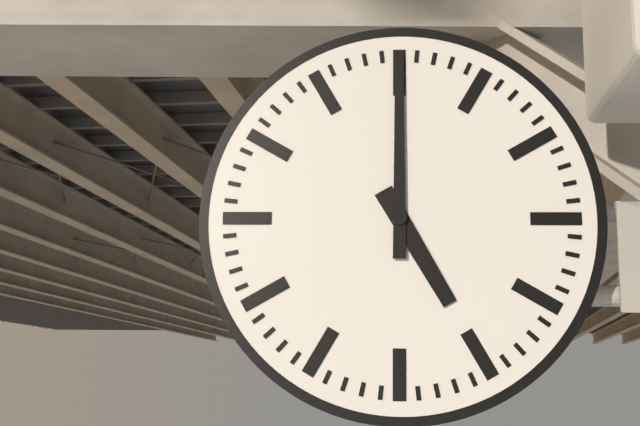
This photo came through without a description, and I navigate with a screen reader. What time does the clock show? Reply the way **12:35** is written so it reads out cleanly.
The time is **5:00**
